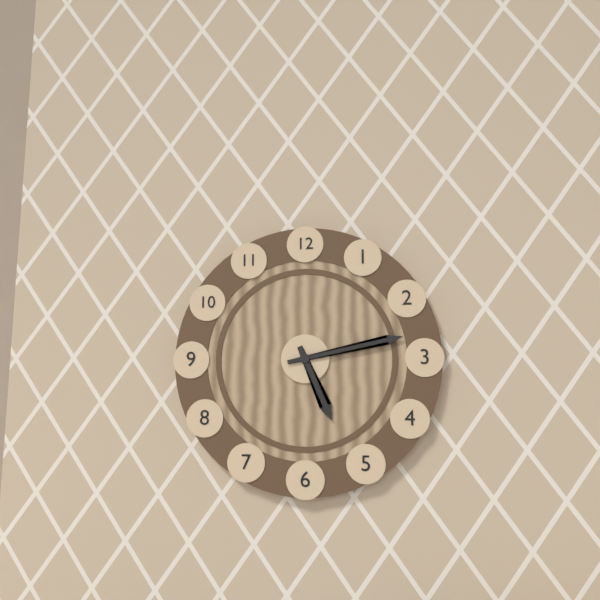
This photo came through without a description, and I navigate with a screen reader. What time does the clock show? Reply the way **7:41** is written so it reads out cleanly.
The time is **5:13**
